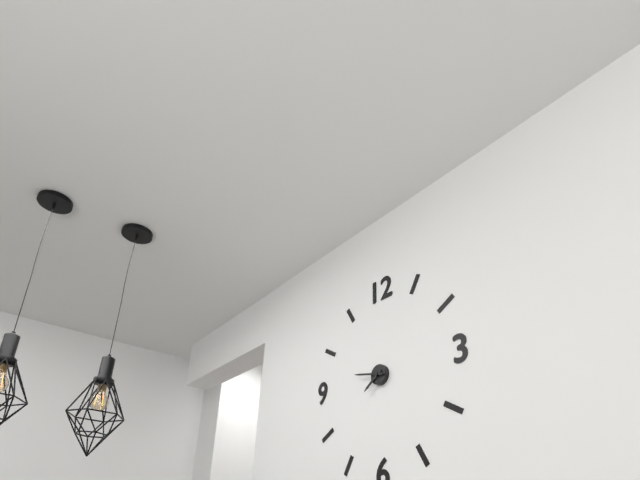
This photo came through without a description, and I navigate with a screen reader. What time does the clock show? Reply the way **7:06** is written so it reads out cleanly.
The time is **7:47**
